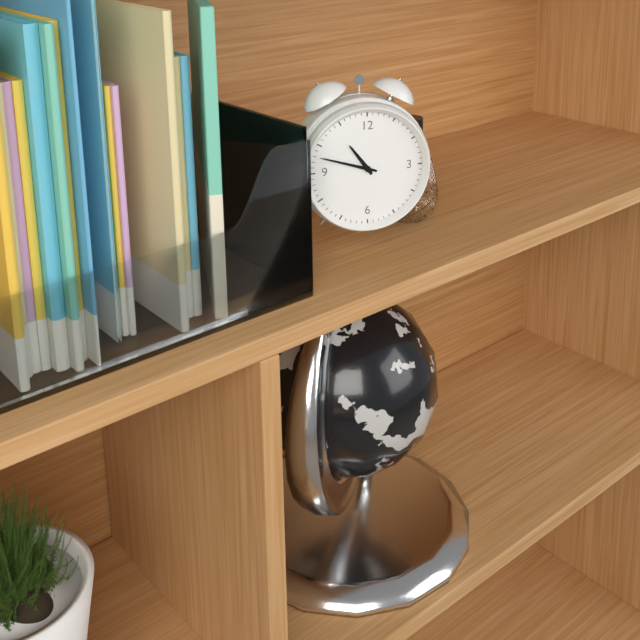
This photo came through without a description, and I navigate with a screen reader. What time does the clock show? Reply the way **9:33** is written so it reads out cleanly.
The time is **10:48**
